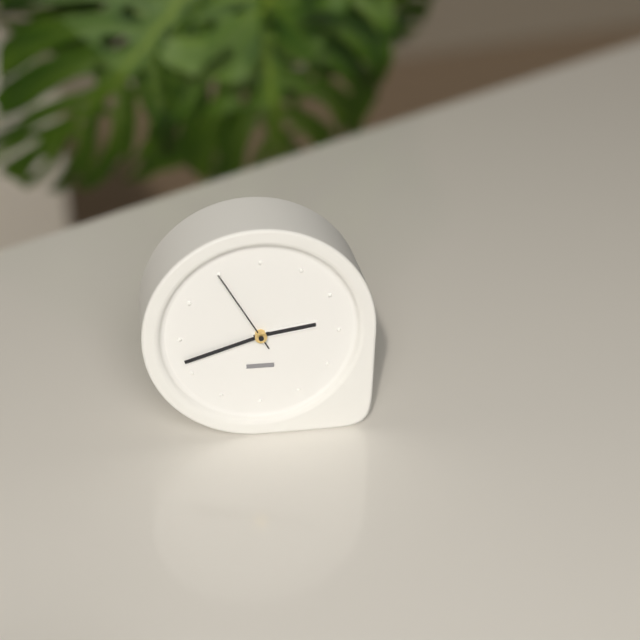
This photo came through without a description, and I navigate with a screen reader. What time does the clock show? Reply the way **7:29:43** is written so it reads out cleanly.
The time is **2:42:55**
